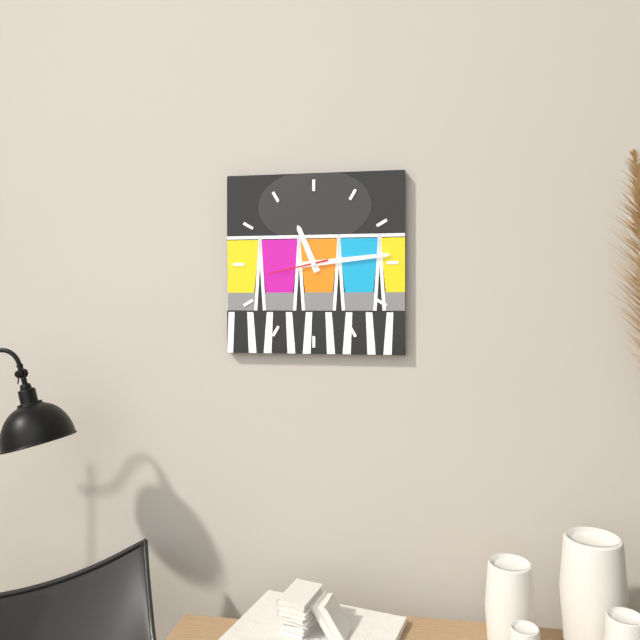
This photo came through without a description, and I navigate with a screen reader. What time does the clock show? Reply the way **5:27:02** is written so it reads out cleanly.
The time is **11:14:43**
